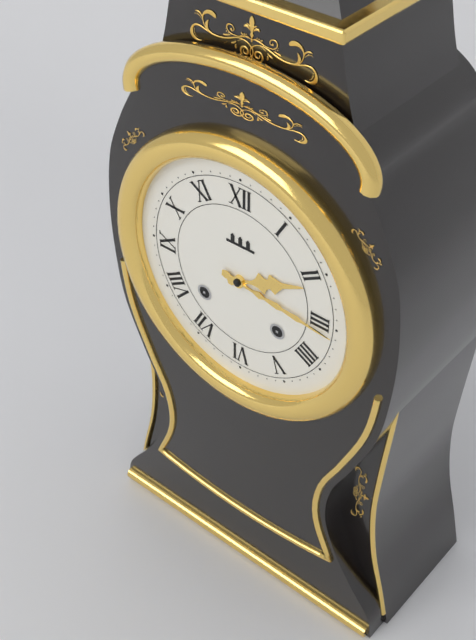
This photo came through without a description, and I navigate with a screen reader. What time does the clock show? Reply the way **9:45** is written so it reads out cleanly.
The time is **2:16**
